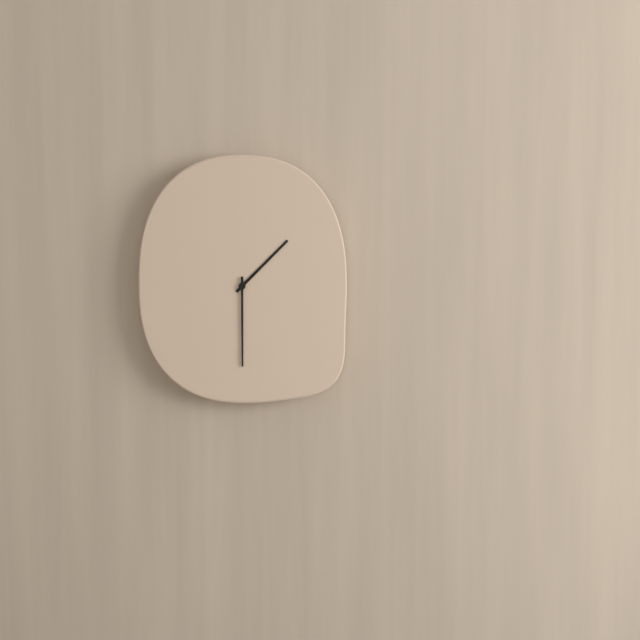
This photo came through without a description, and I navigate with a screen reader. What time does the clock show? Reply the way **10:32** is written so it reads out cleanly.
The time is **1:30**
